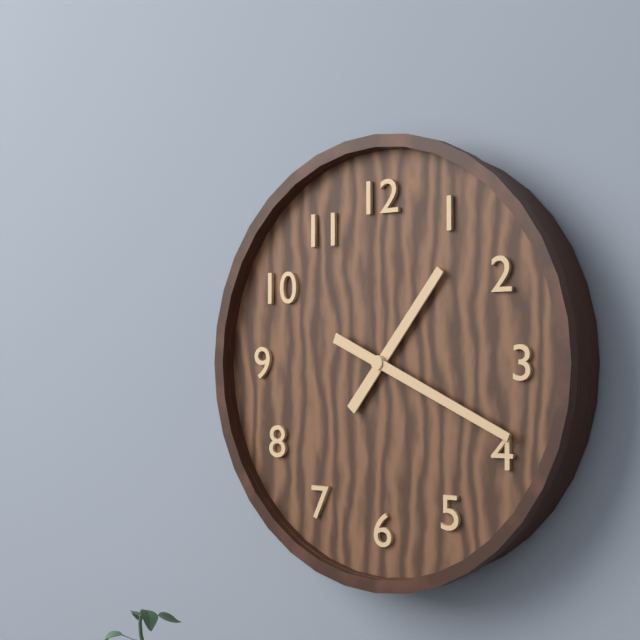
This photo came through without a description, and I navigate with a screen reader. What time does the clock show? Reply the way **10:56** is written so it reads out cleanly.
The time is **1:19**
